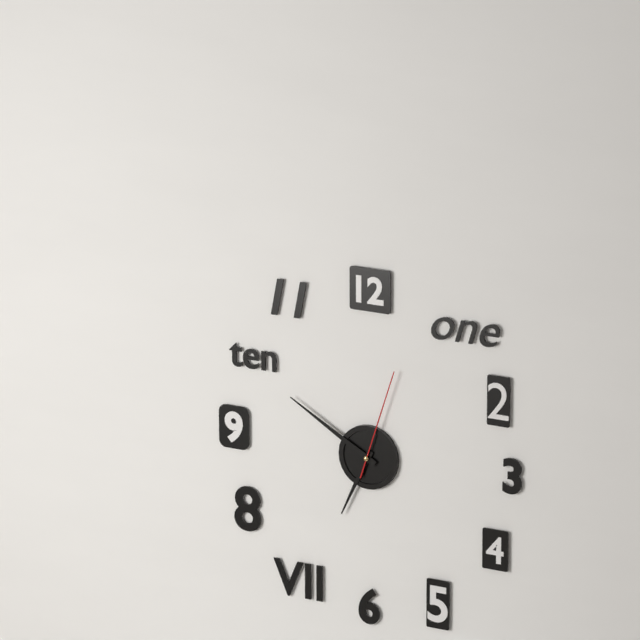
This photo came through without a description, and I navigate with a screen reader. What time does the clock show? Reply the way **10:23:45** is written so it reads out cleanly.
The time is **6:50:03**
